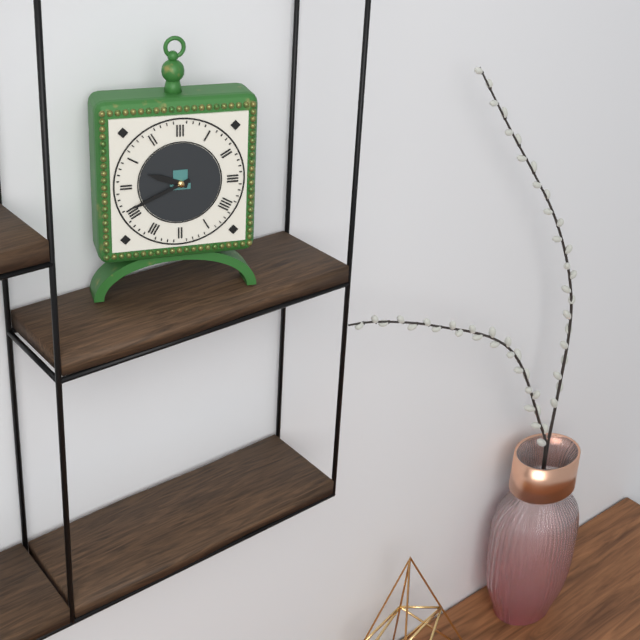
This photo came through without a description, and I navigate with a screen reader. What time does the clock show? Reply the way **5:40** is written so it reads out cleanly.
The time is **9:41**
